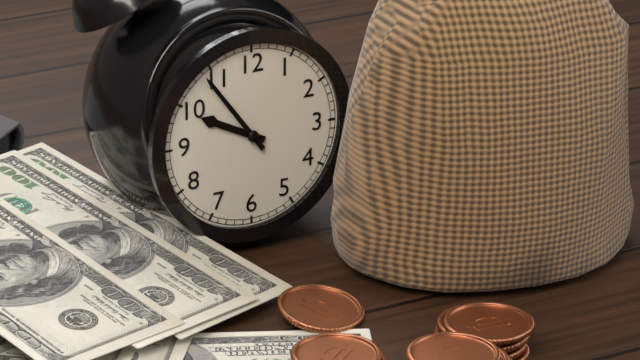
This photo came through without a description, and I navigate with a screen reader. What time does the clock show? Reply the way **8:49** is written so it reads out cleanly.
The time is **9:54**
